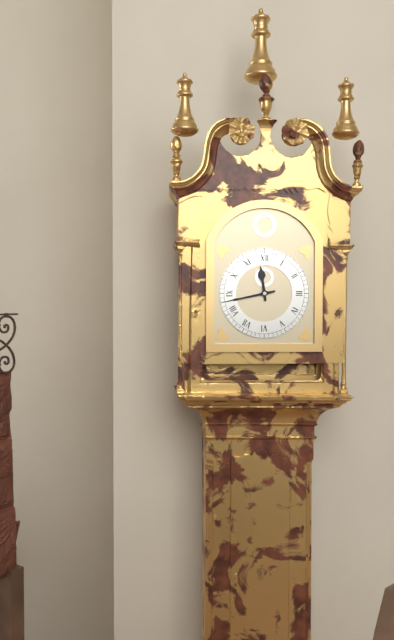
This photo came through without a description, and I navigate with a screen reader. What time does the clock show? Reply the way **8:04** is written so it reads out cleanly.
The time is **11:43**
